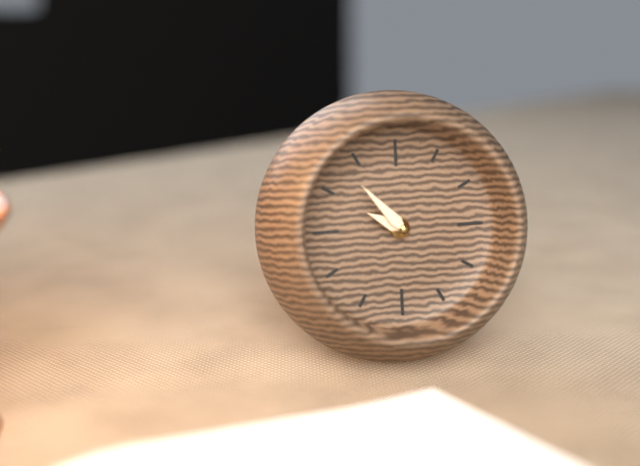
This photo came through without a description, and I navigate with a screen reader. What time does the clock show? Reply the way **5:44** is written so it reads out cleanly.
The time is **9:53**
